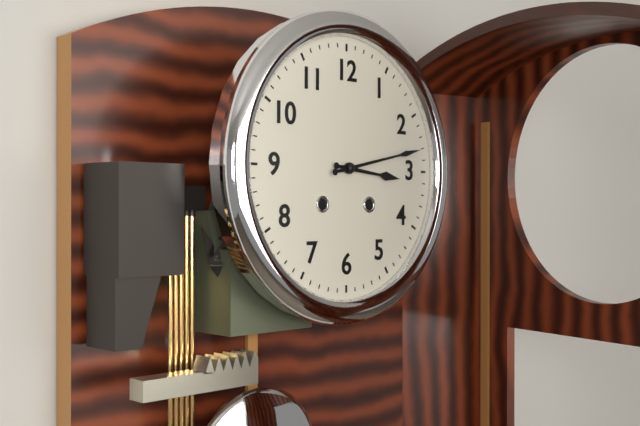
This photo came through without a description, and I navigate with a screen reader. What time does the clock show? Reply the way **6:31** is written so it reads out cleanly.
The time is **3:13**
